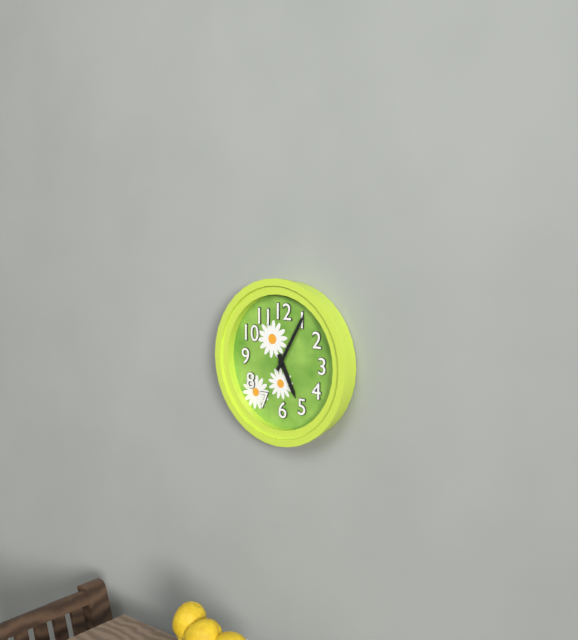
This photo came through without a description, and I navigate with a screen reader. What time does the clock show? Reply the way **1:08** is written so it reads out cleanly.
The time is **5:05**
